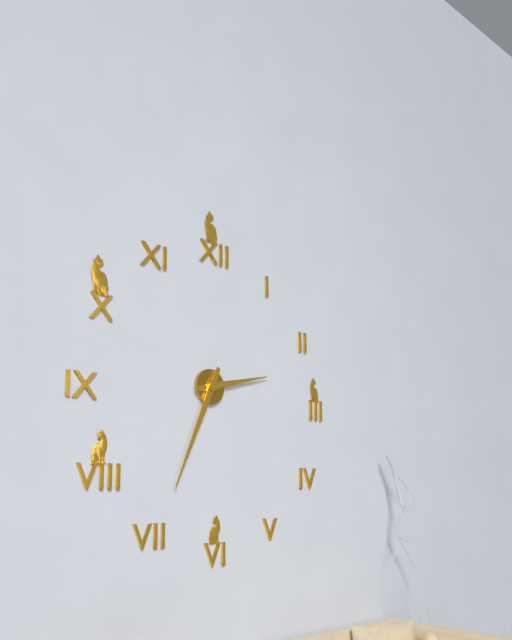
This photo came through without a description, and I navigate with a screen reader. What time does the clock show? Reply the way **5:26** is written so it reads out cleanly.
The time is **2:34**
